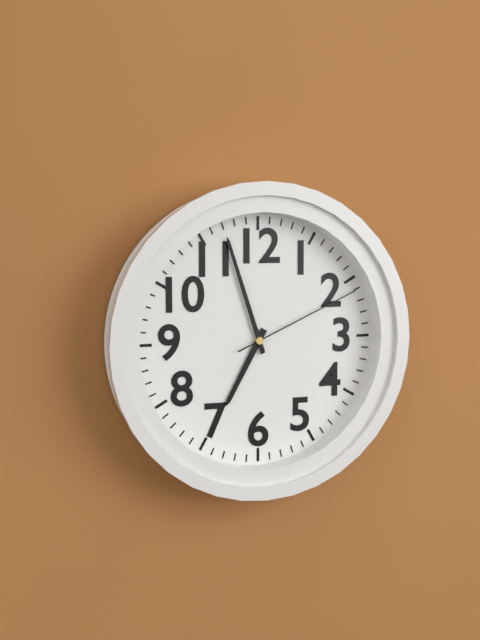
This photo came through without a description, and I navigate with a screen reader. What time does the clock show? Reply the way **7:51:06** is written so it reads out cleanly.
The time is **6:57:11**
